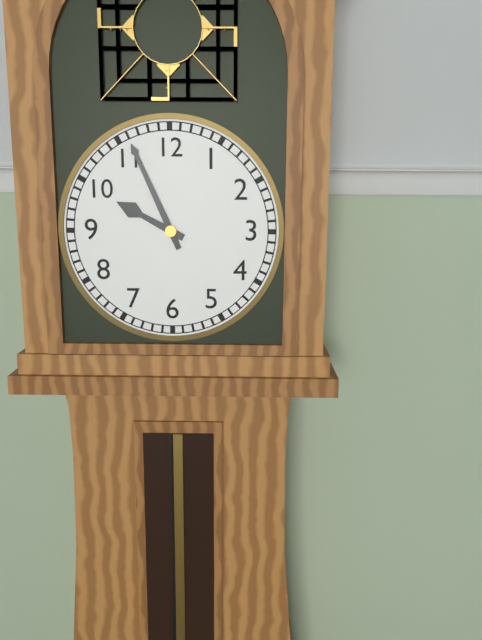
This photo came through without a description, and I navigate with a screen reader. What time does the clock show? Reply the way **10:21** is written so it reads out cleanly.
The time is **9:56**
